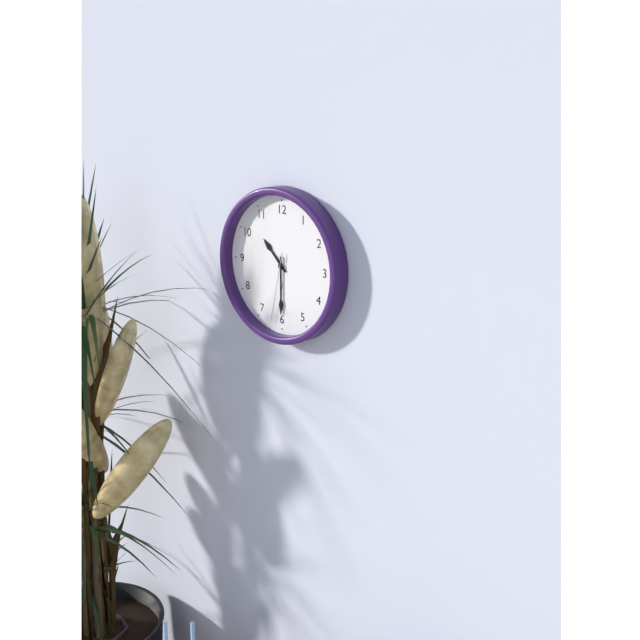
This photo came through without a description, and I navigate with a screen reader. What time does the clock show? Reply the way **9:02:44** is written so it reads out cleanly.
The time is **10:30:32**
